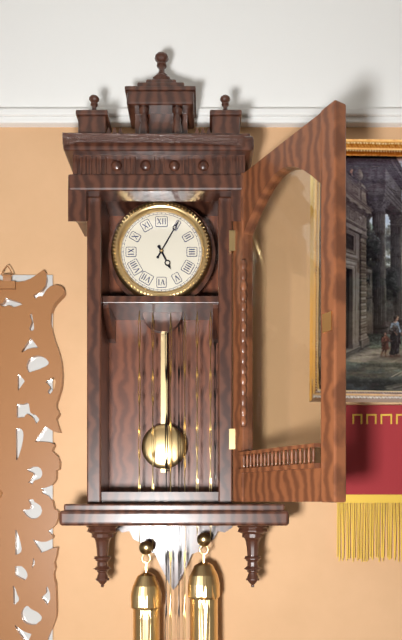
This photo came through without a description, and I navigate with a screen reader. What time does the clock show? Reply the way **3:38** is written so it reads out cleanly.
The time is **5:05**
